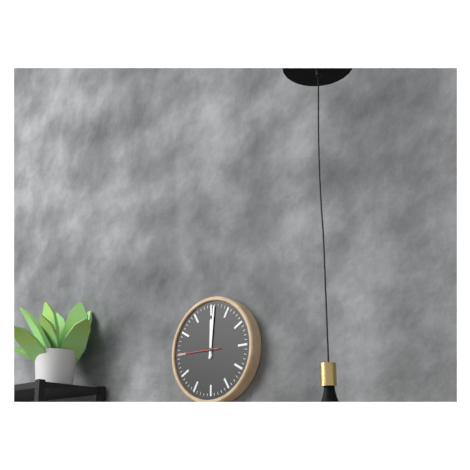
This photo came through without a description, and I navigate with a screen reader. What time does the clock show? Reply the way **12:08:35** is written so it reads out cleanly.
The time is **12:01:45**
